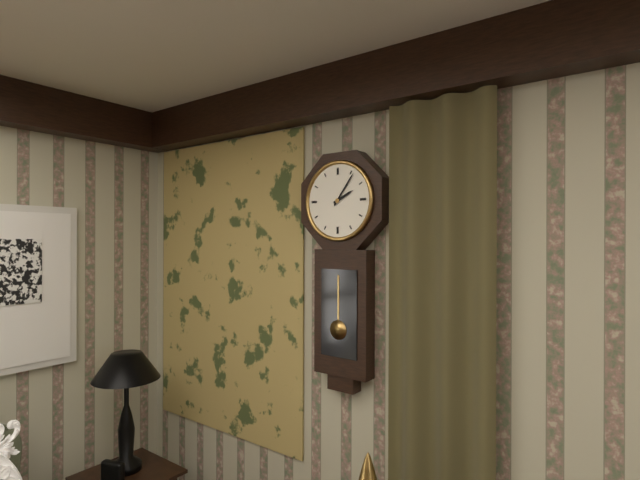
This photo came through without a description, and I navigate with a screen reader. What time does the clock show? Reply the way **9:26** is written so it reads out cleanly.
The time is **2:06**
